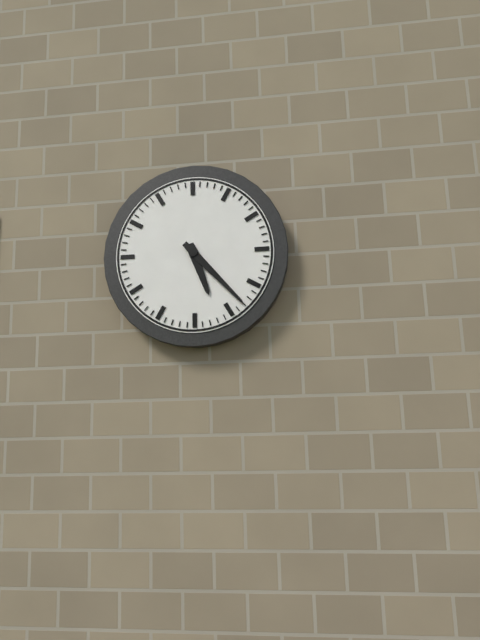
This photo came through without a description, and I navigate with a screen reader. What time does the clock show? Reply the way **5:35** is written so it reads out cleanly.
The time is **5:23**
